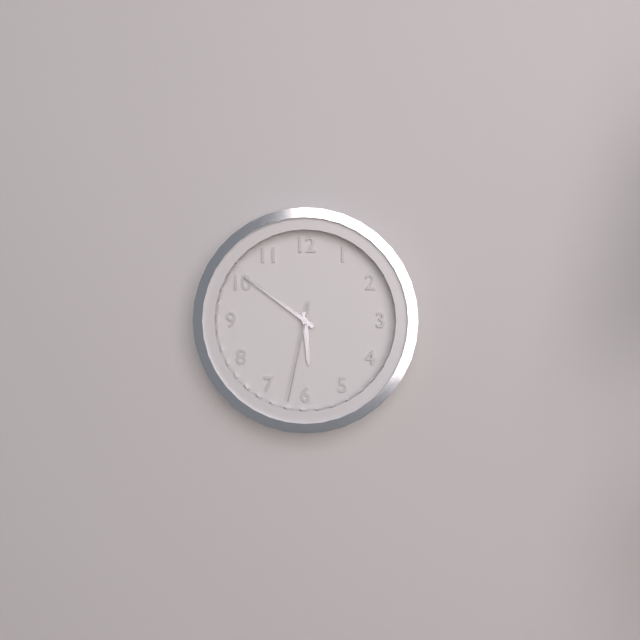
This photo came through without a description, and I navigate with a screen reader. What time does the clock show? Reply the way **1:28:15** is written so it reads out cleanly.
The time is **5:51:32**
